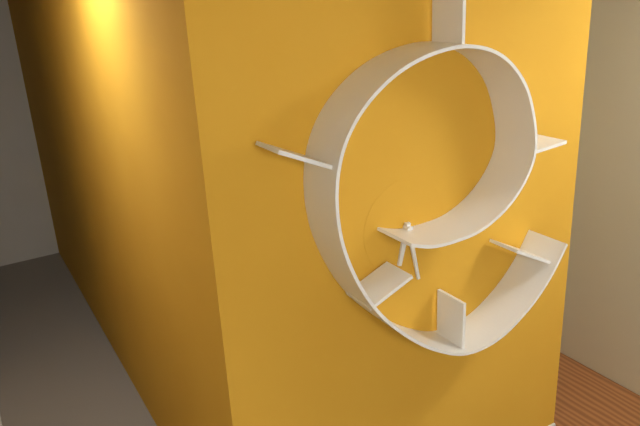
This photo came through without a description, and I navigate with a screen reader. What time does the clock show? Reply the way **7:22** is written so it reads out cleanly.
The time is **6:28**
